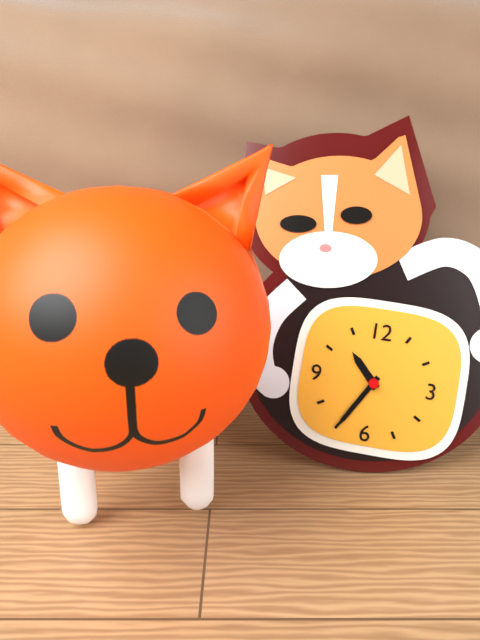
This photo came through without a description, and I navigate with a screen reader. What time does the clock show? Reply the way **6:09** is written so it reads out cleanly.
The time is **10:35**
